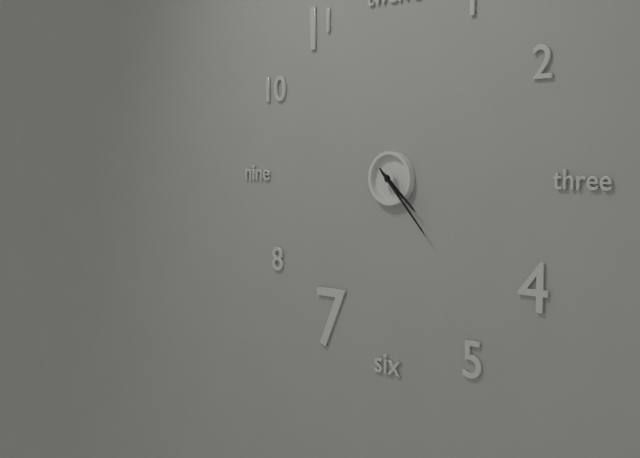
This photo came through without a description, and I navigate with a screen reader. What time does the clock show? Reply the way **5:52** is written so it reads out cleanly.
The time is **4:23**
